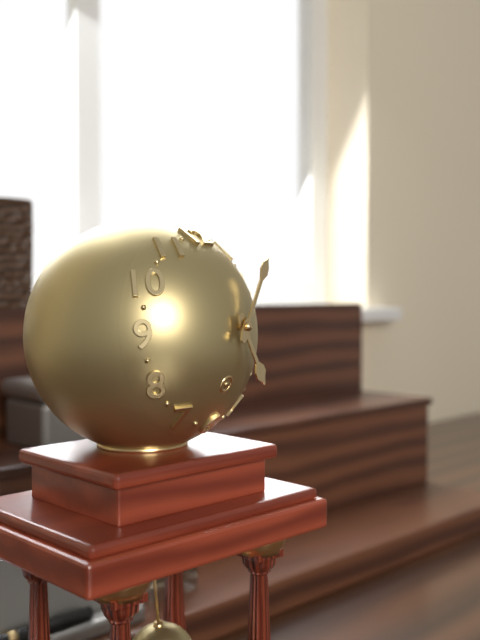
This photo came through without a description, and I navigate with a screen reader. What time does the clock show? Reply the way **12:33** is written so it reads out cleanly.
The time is **5:06**
